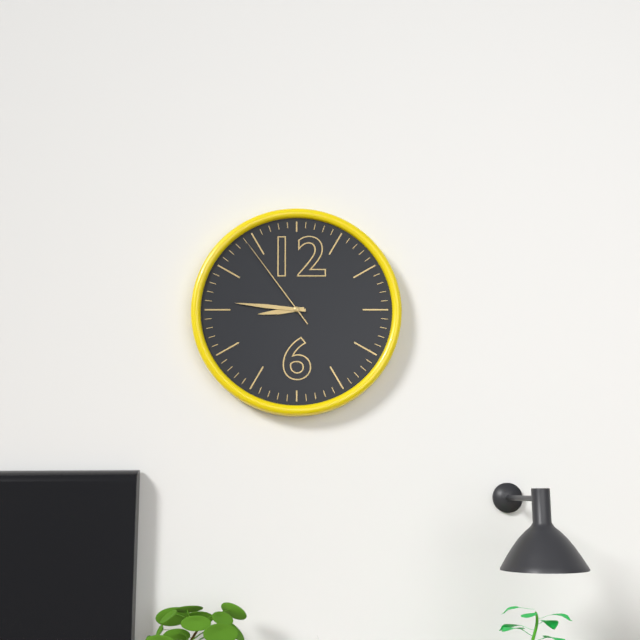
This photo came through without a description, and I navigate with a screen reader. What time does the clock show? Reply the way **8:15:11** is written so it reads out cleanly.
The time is **8:46:54**
